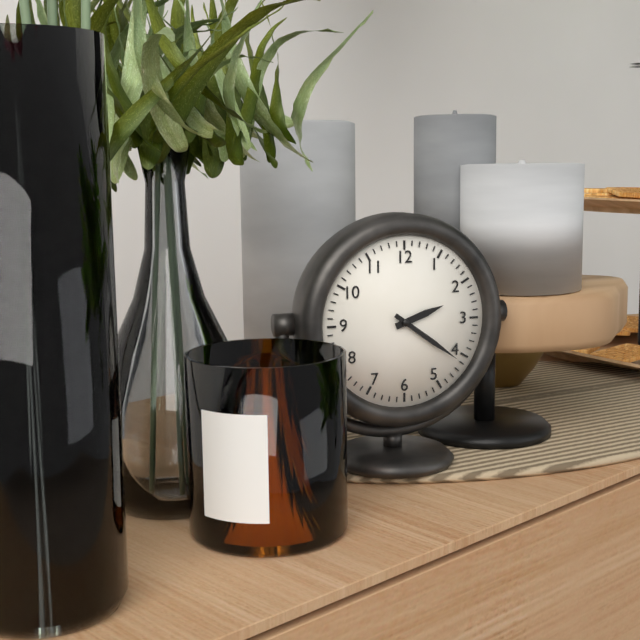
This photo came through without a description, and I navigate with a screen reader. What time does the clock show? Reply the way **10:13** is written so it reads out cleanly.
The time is **2:21**
